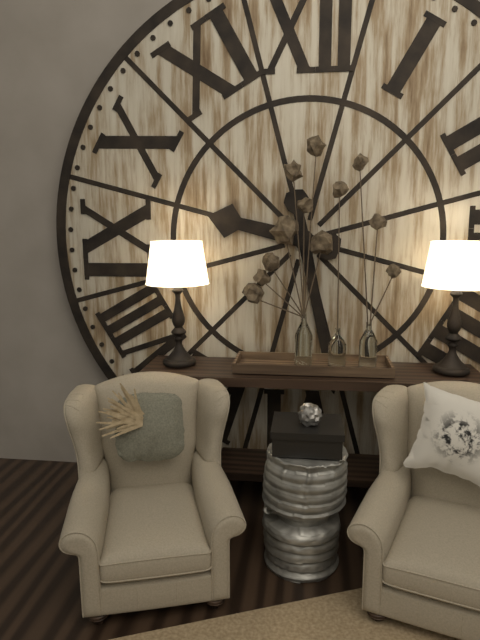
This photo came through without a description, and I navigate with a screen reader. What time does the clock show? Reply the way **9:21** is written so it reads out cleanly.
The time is **9:28**
